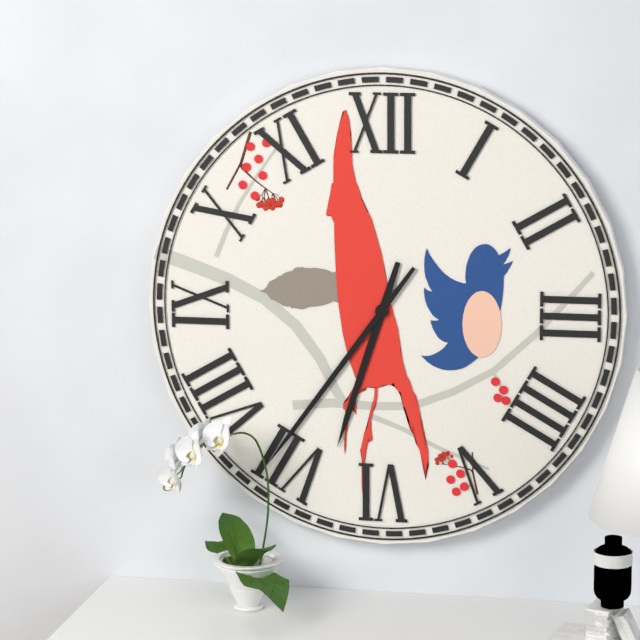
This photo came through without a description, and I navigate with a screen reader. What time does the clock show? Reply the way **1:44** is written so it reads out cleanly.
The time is **6:36**
